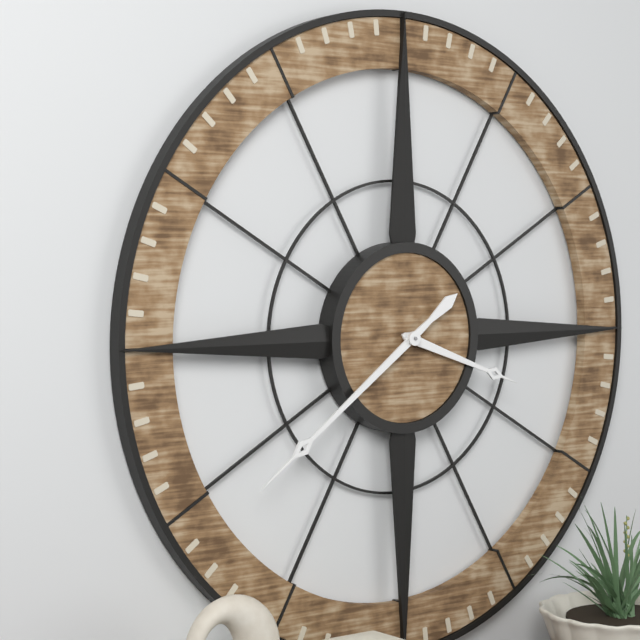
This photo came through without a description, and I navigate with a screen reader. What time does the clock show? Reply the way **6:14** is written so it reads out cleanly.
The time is **3:39**
